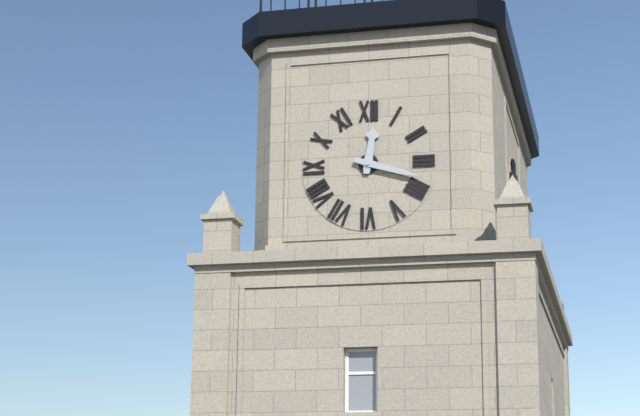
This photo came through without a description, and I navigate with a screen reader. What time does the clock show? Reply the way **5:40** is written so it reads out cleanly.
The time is **12:18**
